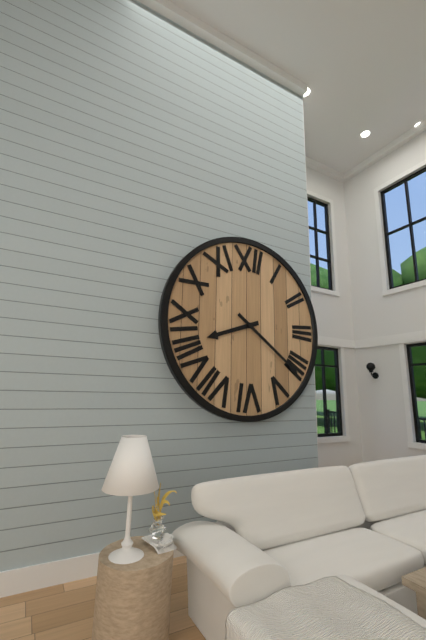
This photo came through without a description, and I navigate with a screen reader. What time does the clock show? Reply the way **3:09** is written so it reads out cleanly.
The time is **8:21**
